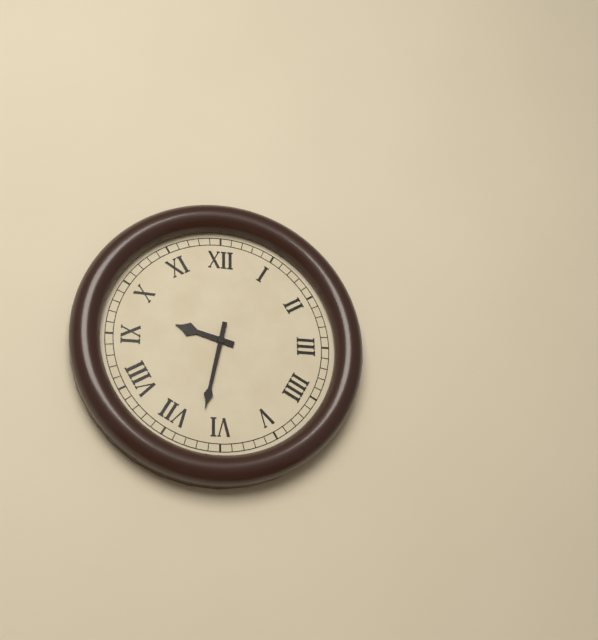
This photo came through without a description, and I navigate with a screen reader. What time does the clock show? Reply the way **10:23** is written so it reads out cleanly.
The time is **9:32**
